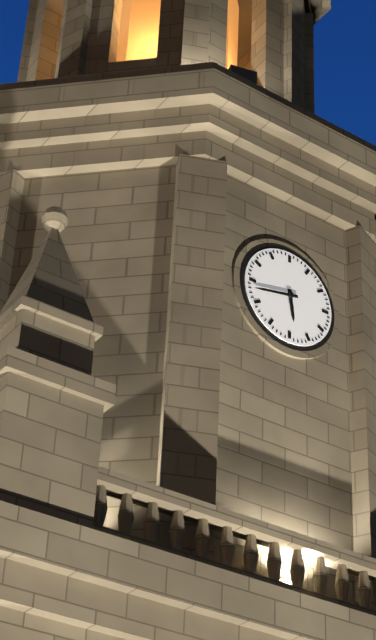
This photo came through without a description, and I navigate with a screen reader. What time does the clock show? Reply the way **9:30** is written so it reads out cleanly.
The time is **5:43**
